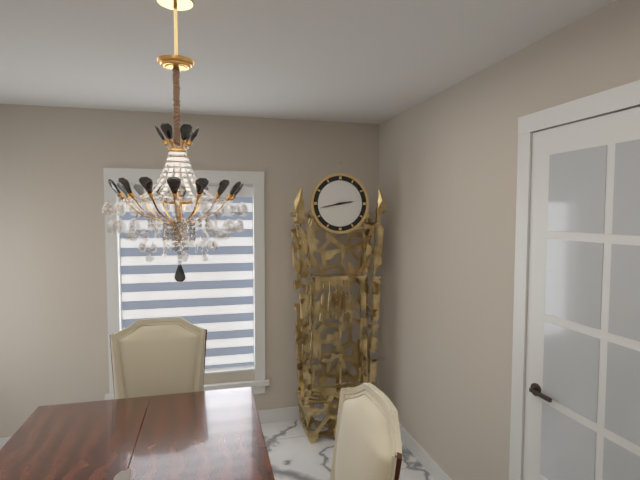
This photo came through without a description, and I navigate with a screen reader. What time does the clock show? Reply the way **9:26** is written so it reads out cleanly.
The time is **2:43**
